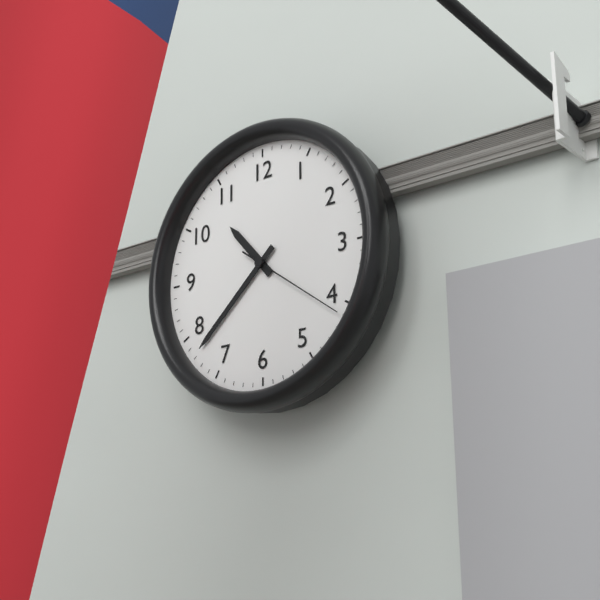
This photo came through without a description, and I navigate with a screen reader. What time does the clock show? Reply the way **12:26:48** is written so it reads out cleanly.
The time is **10:38:21**
